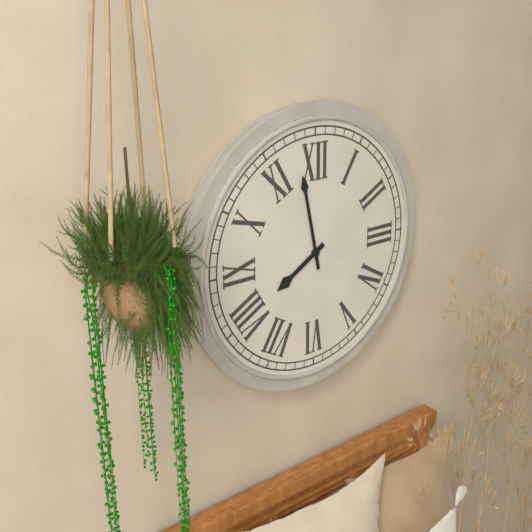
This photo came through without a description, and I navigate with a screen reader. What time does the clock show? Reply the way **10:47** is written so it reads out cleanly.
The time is **7:58**
